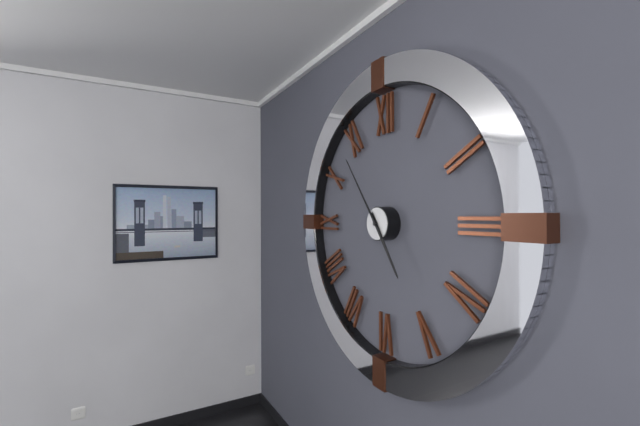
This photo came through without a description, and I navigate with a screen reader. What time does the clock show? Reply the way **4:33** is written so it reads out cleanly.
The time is **4:54**
